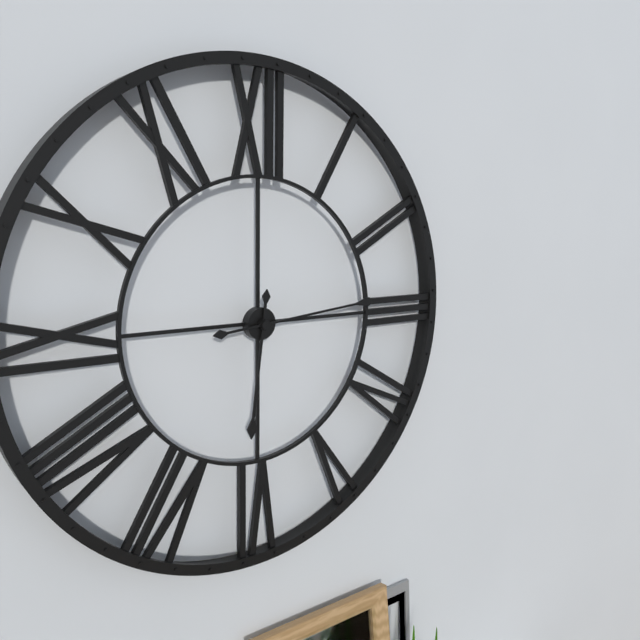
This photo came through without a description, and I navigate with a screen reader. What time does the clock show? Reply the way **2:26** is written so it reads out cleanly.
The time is **6:14**
